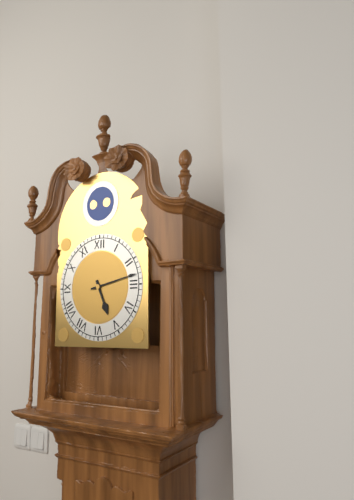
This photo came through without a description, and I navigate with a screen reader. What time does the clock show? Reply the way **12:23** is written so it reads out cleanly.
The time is **5:13**
